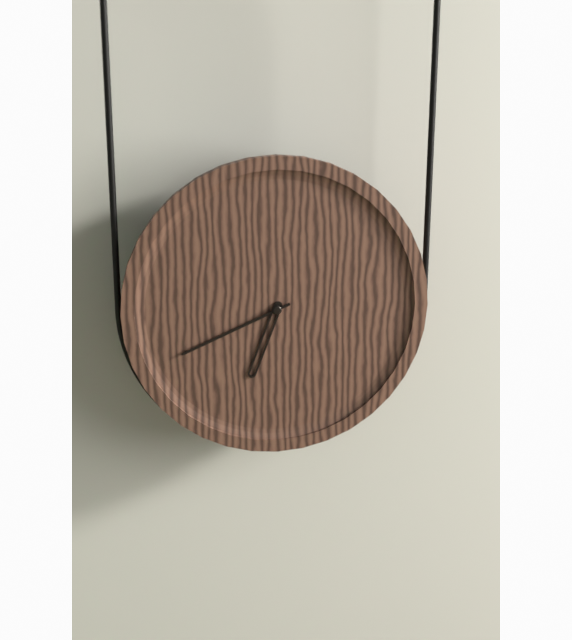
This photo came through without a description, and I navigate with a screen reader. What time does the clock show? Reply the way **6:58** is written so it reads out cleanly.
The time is **6:41**
